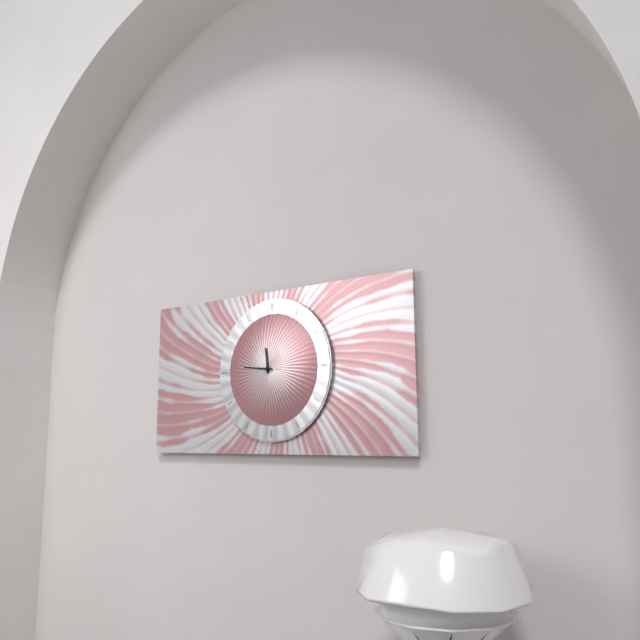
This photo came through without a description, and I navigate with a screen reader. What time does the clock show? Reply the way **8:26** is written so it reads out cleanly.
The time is **11:46**
